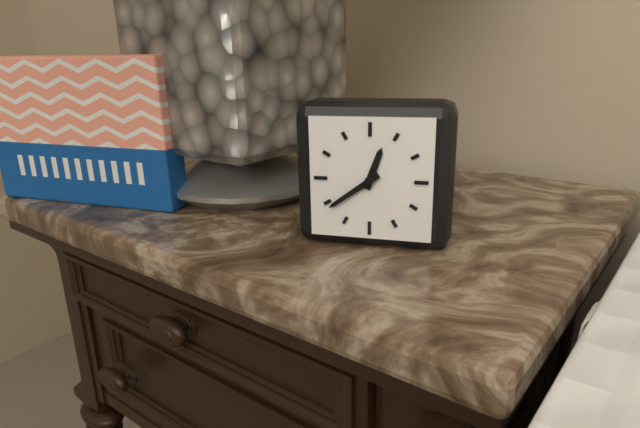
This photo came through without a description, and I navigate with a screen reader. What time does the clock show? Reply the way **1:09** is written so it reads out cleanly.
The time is **12:39**
